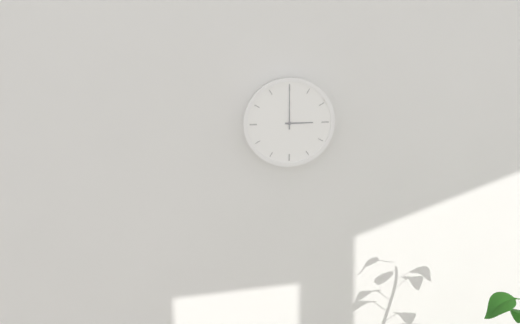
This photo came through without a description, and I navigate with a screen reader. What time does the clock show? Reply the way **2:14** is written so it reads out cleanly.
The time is **3:00**
